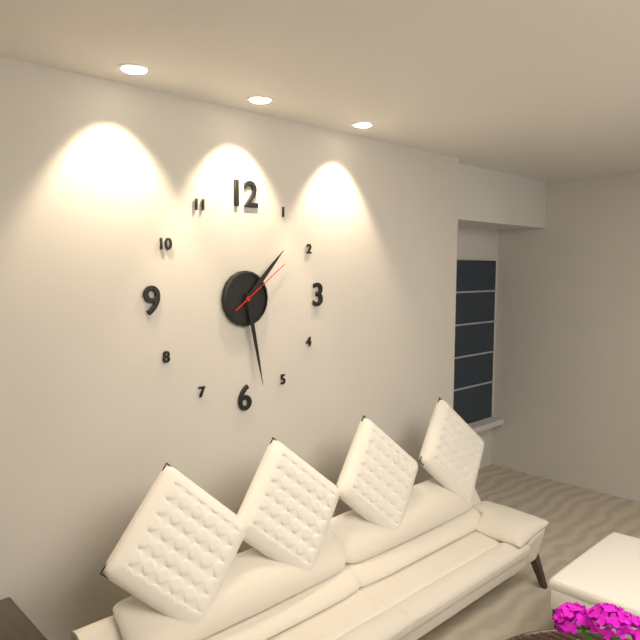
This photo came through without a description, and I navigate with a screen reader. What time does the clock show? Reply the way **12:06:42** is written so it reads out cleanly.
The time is **1:28:09**
